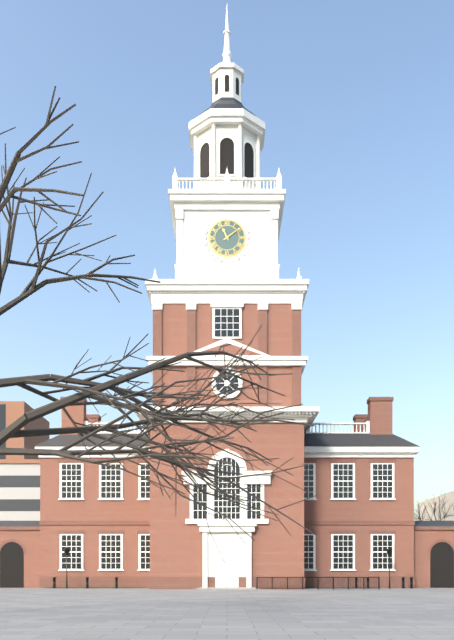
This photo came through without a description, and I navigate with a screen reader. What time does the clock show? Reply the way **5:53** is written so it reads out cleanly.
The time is **11:09**
